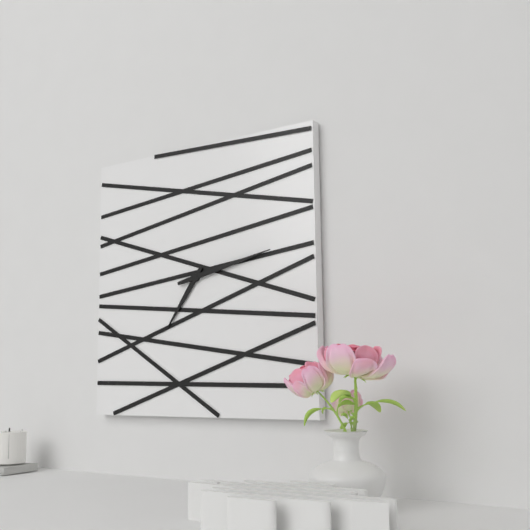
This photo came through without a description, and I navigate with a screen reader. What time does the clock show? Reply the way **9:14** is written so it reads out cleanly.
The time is **7:13**
